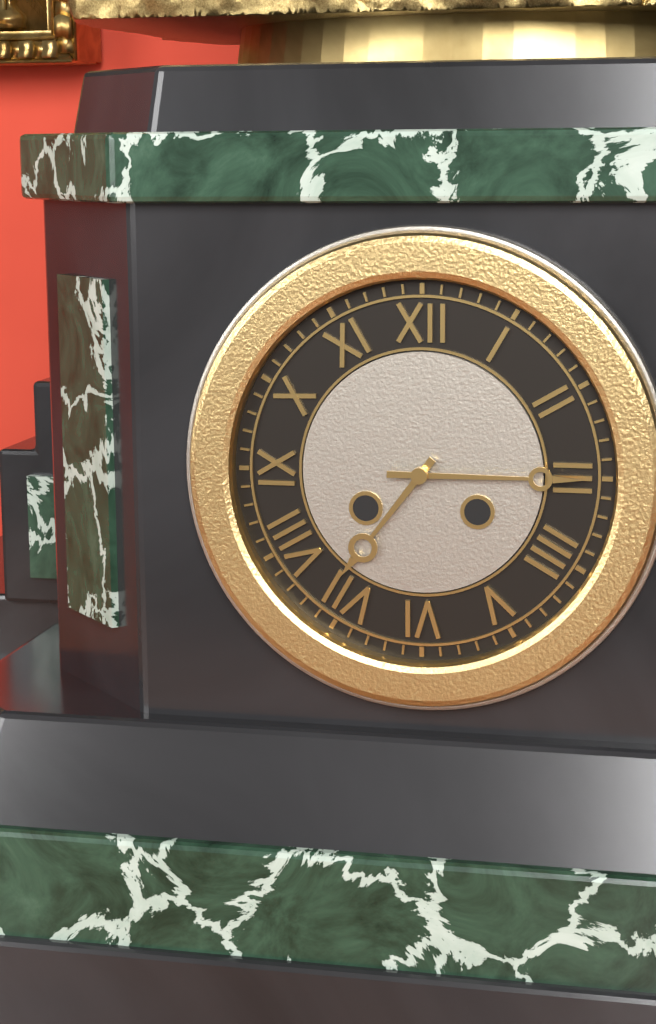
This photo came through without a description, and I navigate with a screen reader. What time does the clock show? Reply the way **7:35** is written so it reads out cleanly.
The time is **7:15**
